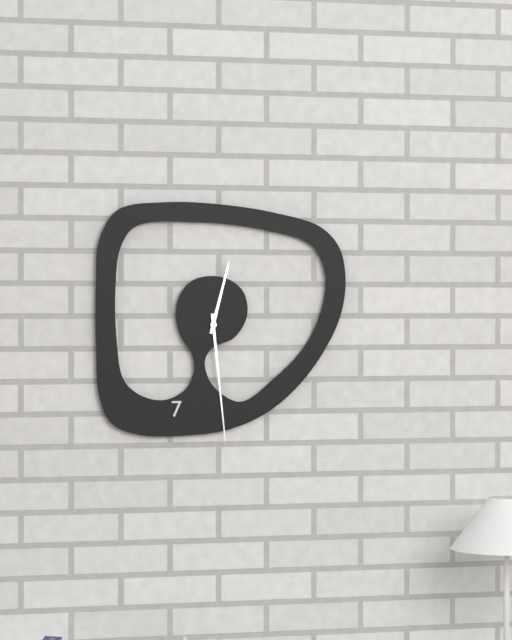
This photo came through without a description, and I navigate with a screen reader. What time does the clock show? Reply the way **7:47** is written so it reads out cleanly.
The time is **12:29**
